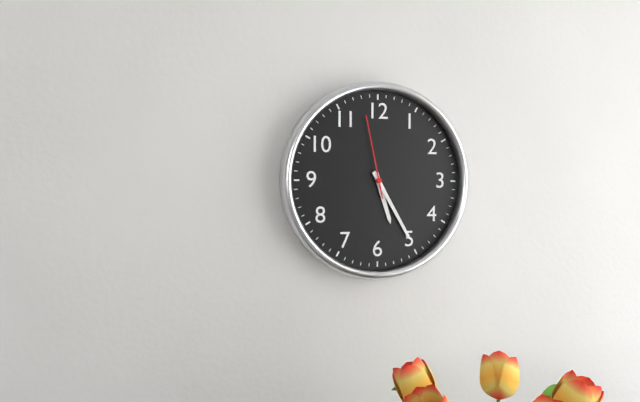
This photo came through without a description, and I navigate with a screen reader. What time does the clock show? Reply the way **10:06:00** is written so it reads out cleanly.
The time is **5:25:58**
